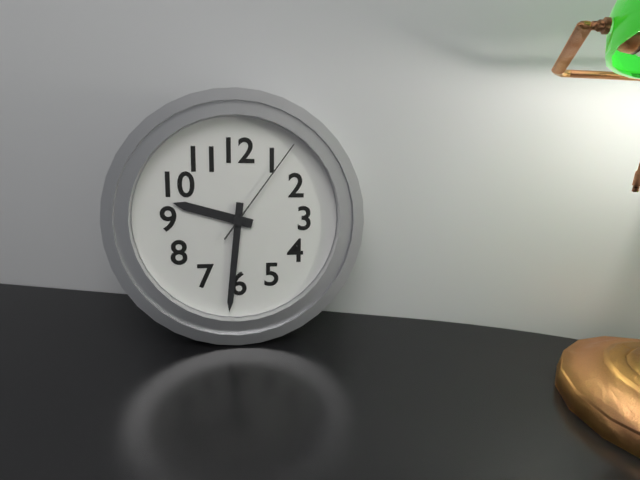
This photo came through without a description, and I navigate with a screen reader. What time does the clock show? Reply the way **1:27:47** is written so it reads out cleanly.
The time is **9:31:06**
